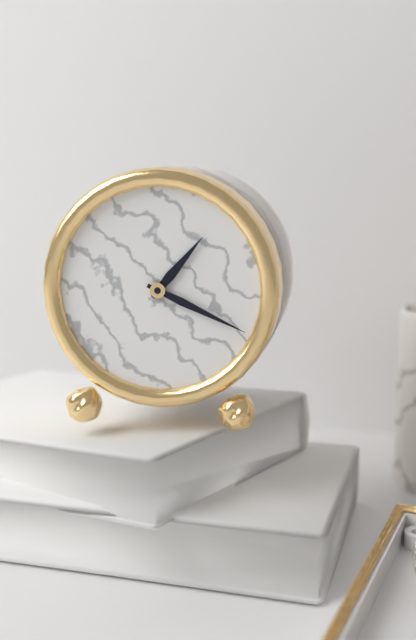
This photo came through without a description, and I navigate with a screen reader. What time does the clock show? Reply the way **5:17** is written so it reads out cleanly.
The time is **1:19**
